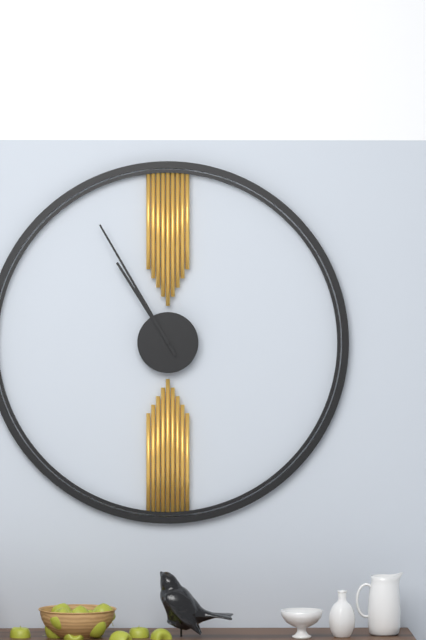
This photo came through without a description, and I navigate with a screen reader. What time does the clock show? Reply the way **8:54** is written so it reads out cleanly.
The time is **10:55**
